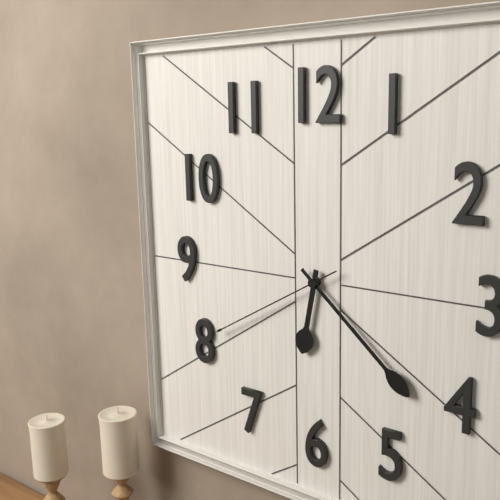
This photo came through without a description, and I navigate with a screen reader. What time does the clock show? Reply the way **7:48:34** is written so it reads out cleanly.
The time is **6:22:40**
